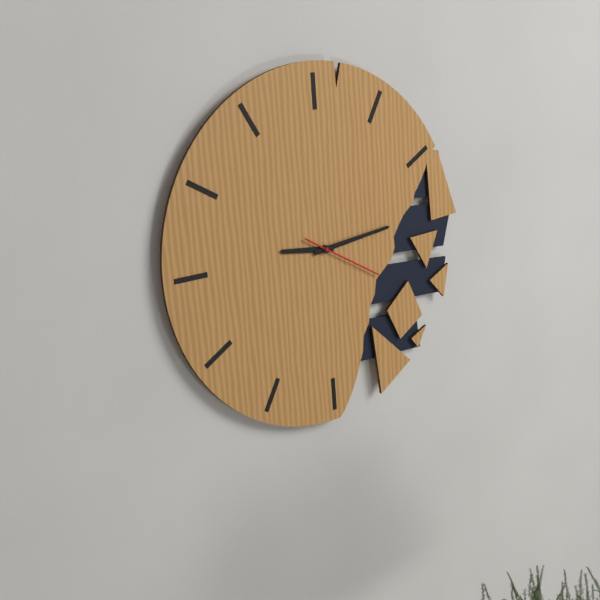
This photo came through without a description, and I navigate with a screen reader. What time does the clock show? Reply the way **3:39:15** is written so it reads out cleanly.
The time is **9:14:20**
